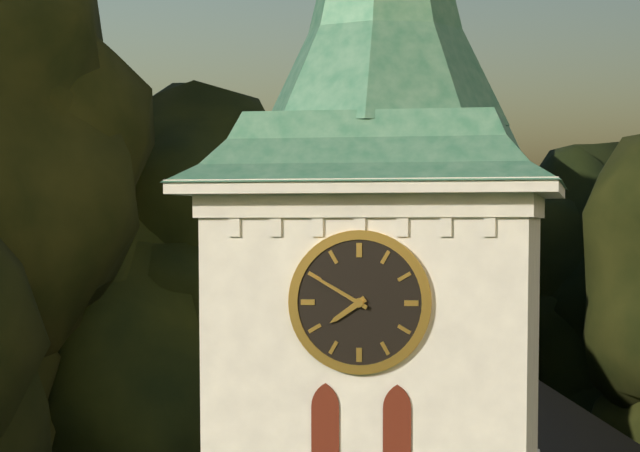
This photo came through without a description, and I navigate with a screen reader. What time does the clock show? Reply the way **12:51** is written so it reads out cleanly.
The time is **7:50**
